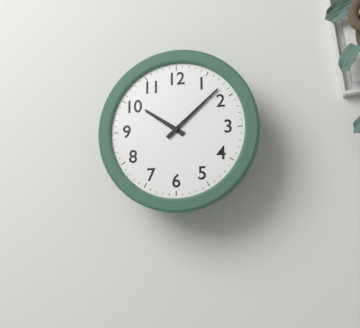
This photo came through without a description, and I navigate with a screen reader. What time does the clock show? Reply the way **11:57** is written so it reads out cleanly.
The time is **10:08**
